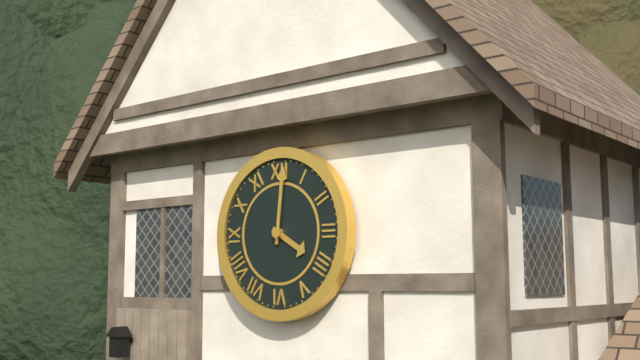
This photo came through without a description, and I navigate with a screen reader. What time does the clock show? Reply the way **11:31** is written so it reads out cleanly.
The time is **4:01**
